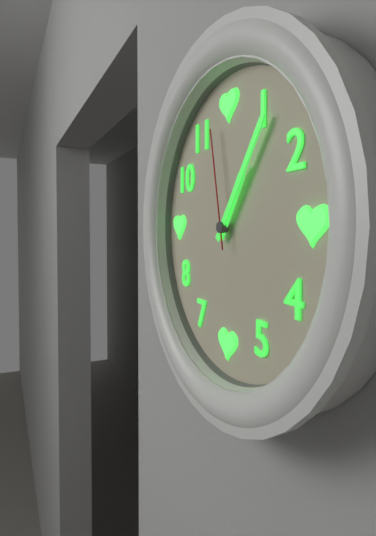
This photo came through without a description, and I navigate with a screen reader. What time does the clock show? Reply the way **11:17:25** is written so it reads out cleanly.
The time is **1:06:58**
